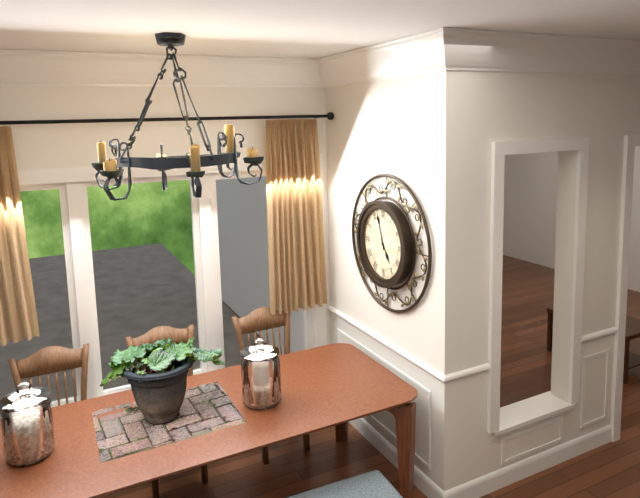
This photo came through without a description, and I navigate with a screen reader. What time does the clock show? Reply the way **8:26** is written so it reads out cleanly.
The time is **4:57**
